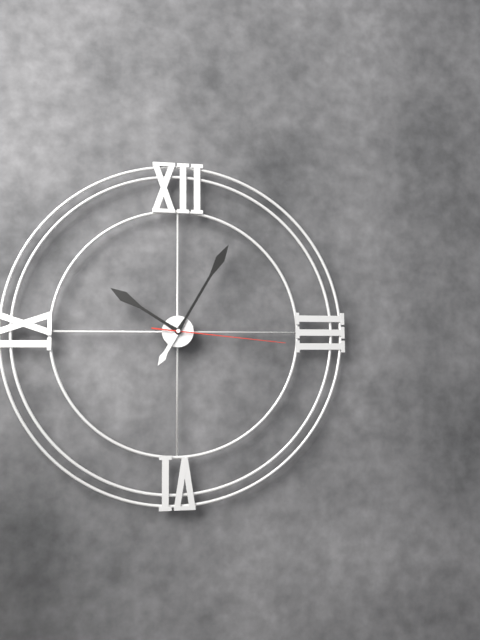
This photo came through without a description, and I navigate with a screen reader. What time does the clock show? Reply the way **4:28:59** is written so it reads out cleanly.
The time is **10:05:16**
